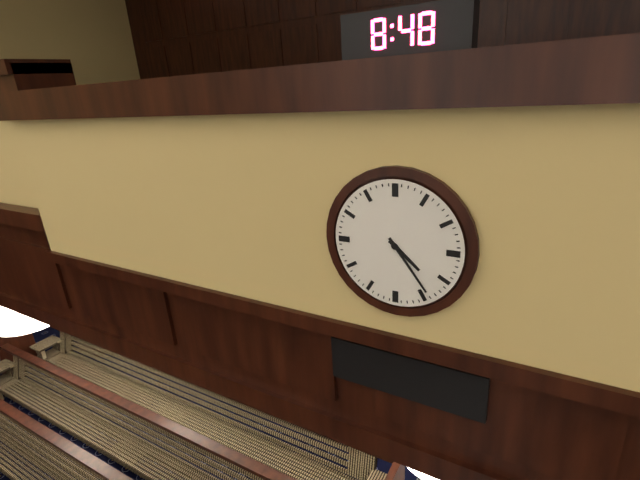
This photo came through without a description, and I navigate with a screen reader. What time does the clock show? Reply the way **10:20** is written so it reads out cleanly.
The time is **4:24**
